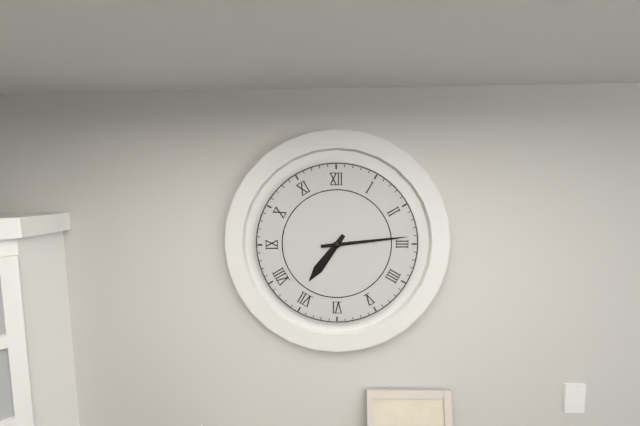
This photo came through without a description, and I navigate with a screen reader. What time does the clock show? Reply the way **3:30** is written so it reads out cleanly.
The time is **7:14**
